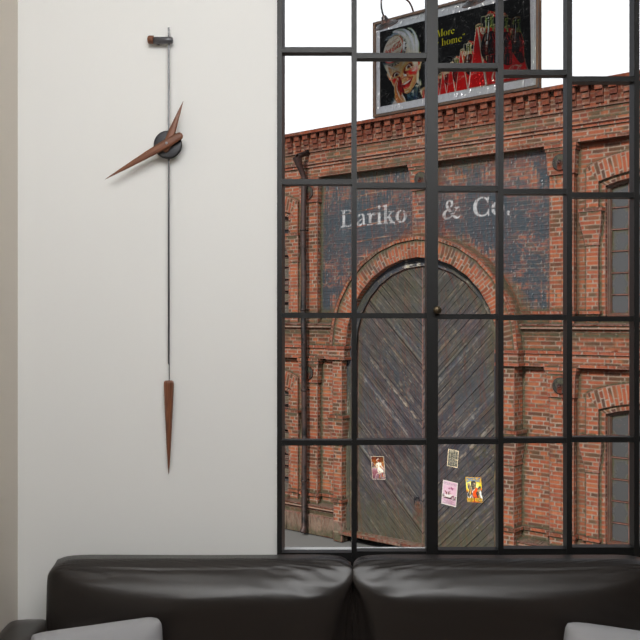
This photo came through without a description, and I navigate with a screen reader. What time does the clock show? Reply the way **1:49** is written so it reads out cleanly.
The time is **12:40**
